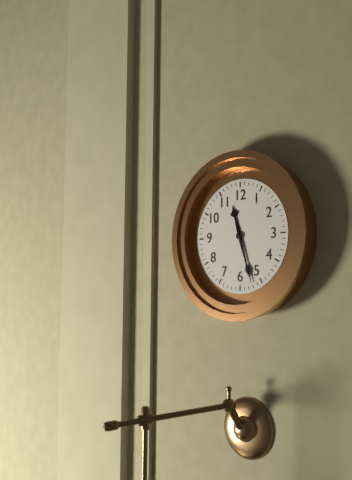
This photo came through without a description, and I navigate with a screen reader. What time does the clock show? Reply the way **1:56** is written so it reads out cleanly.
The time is **11:27**
